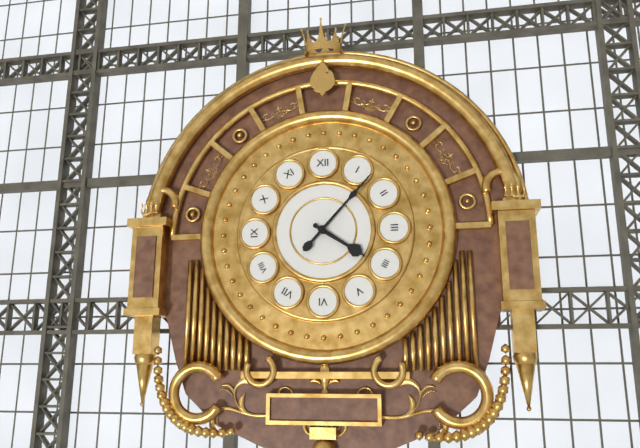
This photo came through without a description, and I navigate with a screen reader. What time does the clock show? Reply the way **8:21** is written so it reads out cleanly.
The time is **4:07**
